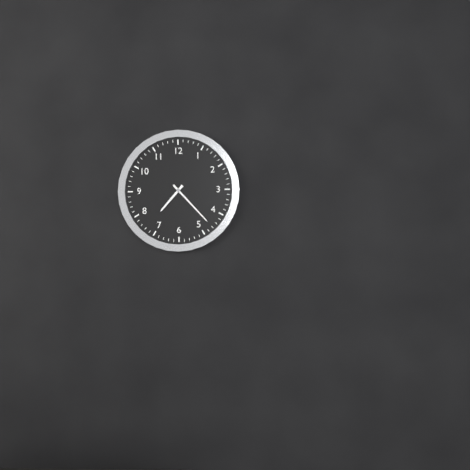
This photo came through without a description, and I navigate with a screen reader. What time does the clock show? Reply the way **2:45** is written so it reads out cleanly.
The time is **7:23**
